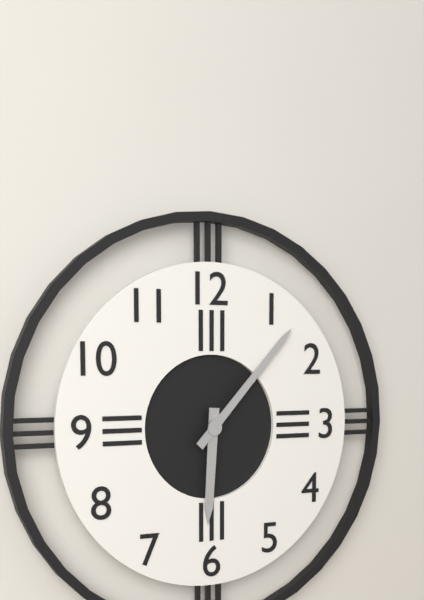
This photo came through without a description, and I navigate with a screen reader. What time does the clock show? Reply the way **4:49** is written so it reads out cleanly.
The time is **6:07**
